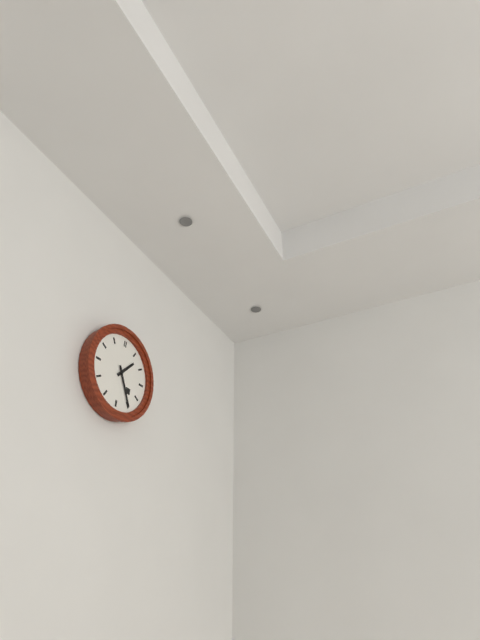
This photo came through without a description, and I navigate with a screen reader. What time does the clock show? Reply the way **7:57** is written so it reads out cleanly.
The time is **1:25**
